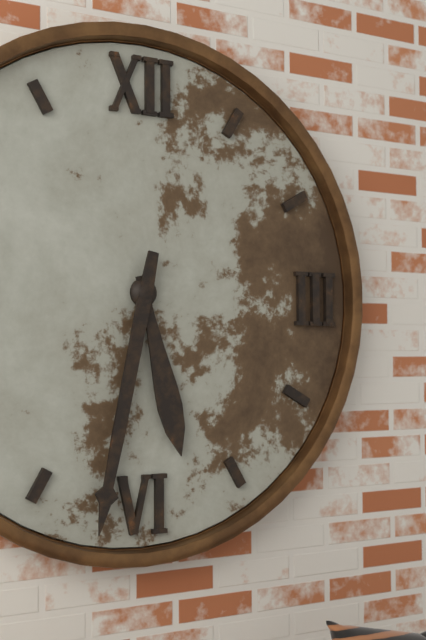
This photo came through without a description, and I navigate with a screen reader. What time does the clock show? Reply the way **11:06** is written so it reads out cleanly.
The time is **5:32**
